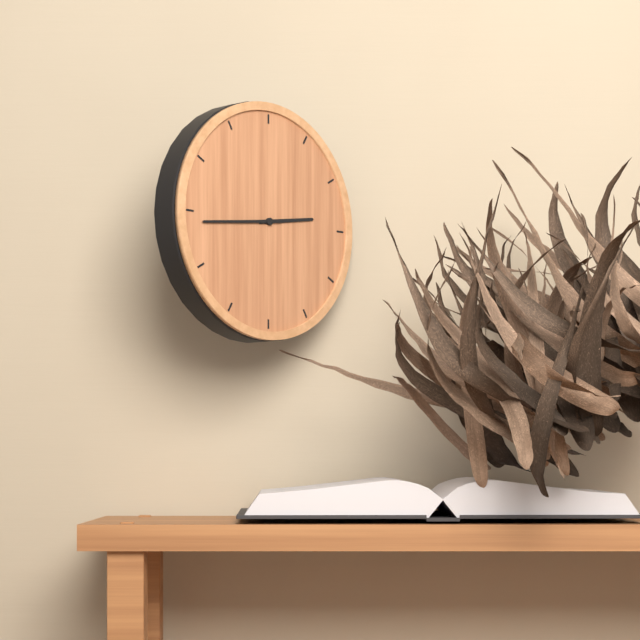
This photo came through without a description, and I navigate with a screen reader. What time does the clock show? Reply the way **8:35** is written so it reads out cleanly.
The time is **2:44**
